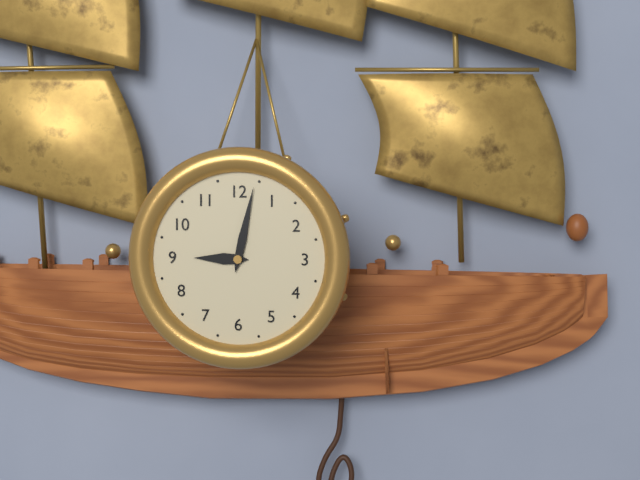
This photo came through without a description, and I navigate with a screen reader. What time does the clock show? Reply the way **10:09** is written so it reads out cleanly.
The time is **9:02**
